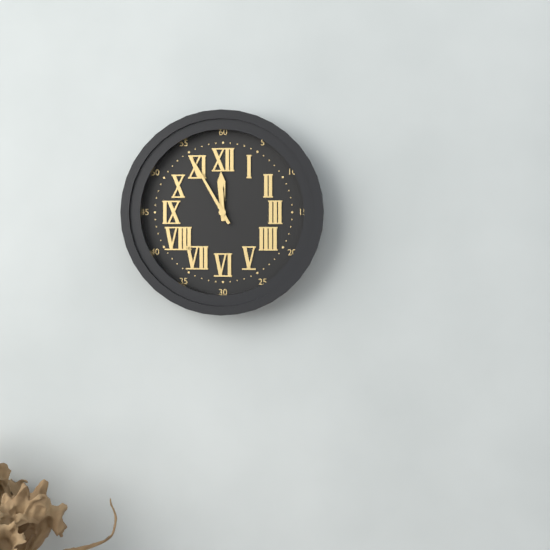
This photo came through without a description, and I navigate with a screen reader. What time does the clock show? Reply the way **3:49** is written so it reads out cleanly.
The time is **11:55**
